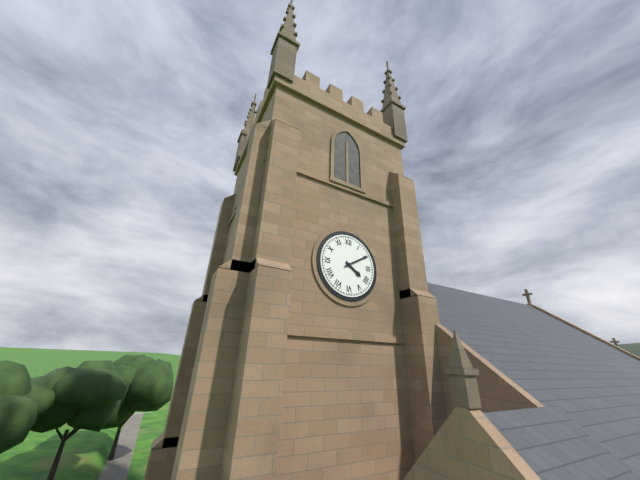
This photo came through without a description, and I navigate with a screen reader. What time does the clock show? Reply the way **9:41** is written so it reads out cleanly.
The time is **4:10**
